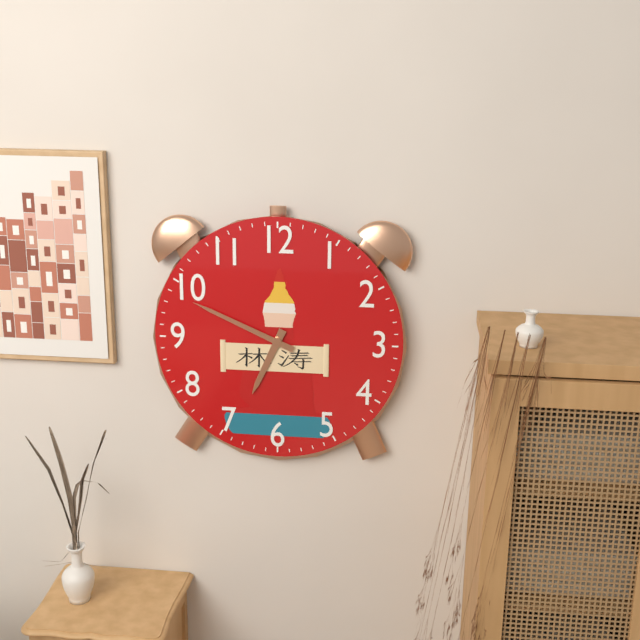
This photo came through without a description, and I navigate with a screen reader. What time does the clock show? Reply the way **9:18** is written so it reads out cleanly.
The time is **6:49**
